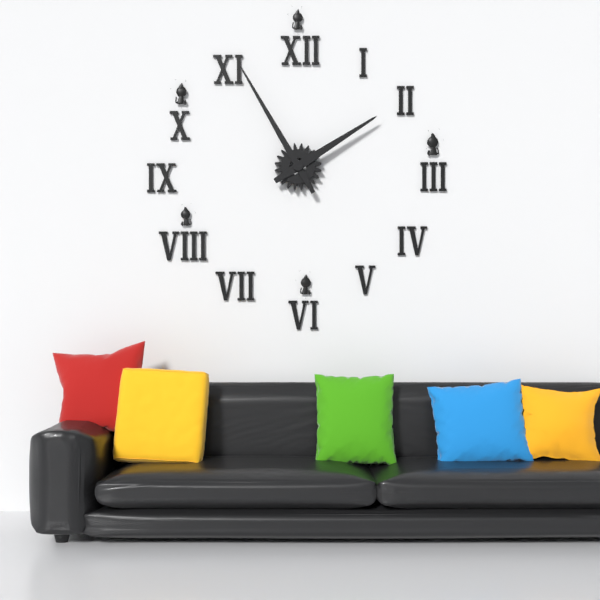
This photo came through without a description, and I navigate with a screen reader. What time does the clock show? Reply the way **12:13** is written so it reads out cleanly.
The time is **1:55**
